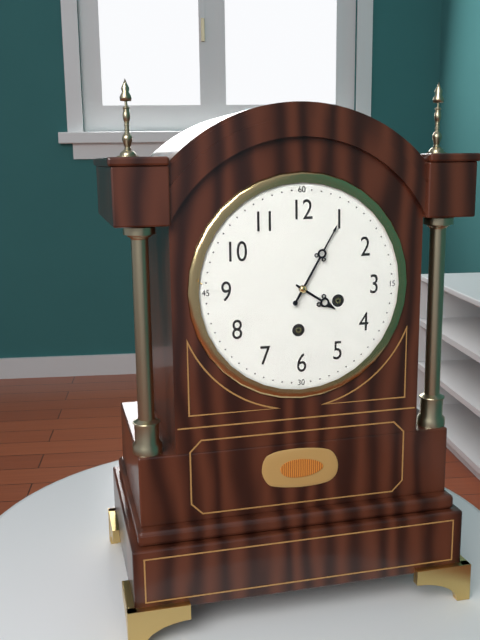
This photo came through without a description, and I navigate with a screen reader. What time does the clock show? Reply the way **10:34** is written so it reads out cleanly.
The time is **4:05**
